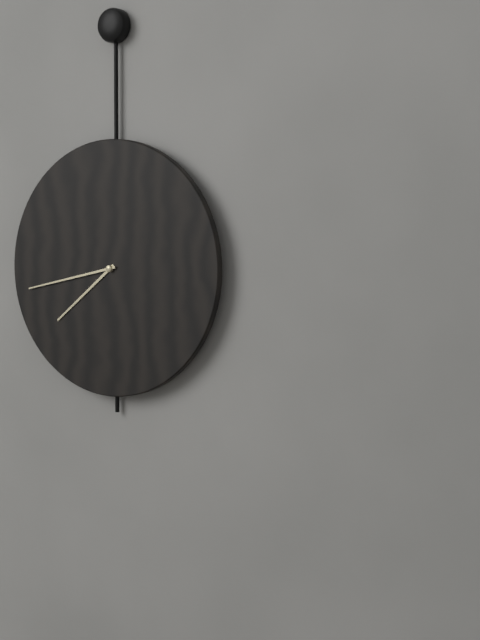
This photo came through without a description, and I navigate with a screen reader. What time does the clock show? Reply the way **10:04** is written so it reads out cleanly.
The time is **7:43**
